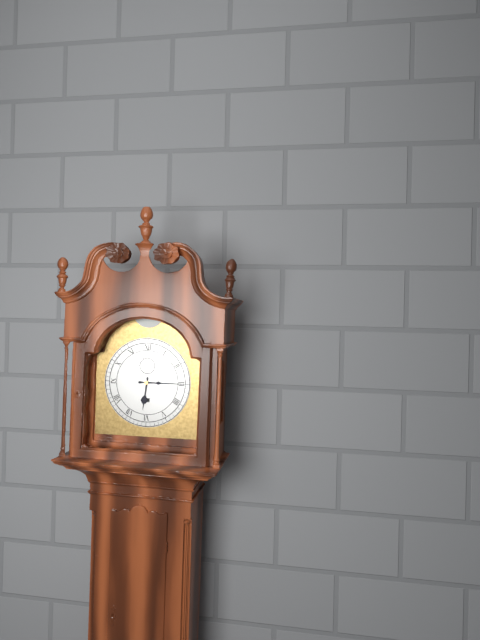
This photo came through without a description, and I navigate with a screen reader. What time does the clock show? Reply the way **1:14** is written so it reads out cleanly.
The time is **6:15**
